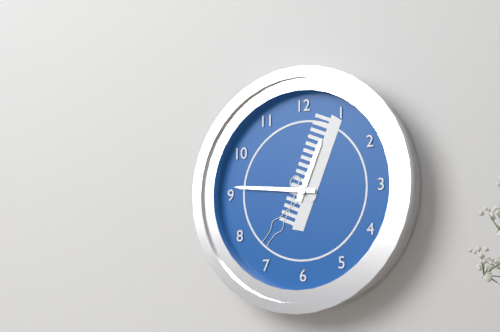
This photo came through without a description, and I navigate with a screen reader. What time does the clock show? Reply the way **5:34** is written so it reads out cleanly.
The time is **12:46**
